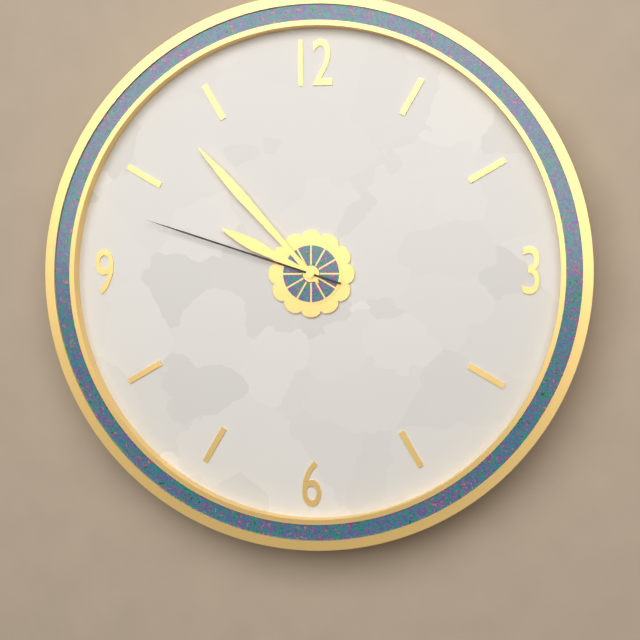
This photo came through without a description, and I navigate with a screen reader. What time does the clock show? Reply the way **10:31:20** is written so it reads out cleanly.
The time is **9:53:48**
